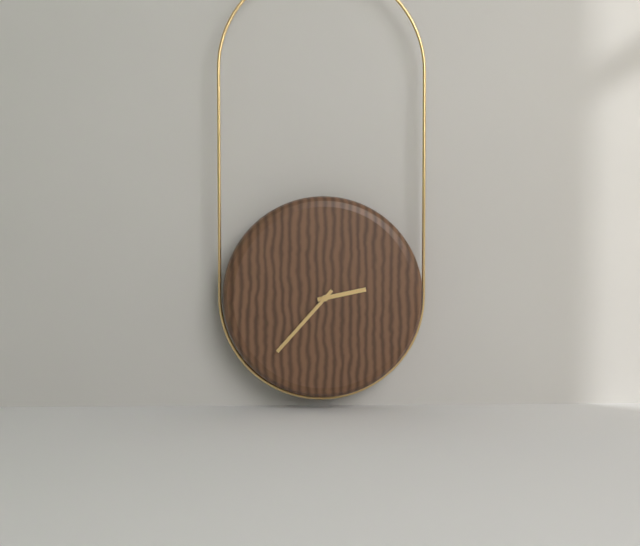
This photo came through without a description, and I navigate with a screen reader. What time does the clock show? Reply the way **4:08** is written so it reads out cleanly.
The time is **2:37**
